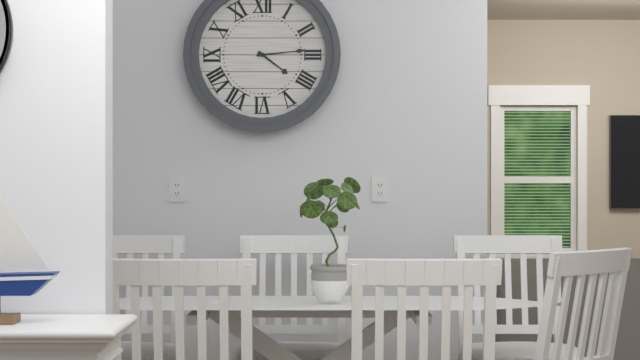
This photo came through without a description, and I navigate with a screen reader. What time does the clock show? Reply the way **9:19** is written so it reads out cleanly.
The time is **4:14**
